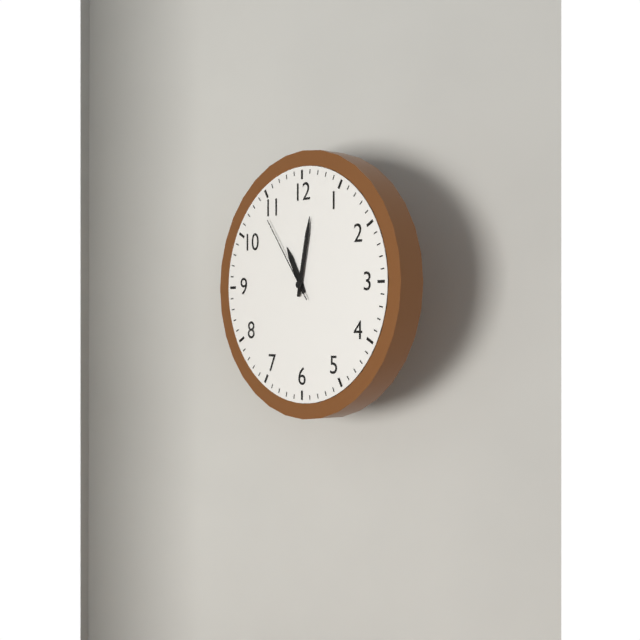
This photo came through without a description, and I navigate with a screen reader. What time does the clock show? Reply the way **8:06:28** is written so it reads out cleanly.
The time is **11:02:54**
